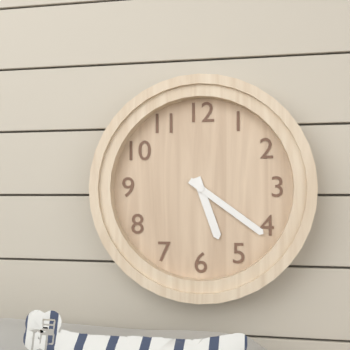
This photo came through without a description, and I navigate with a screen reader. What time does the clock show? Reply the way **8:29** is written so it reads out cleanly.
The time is **5:21**
